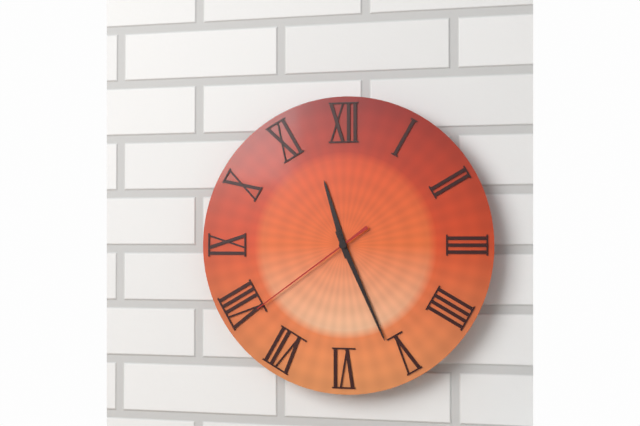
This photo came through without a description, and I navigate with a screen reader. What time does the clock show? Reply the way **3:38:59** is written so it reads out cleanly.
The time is **11:26:39**
